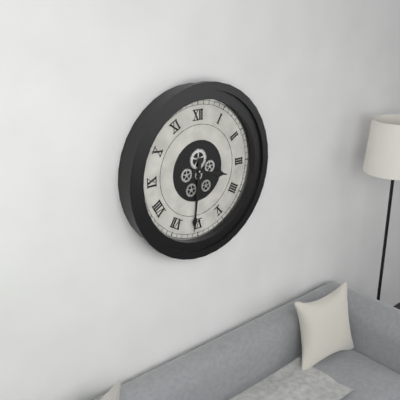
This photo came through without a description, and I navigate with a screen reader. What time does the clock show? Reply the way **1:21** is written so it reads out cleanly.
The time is **3:31**
